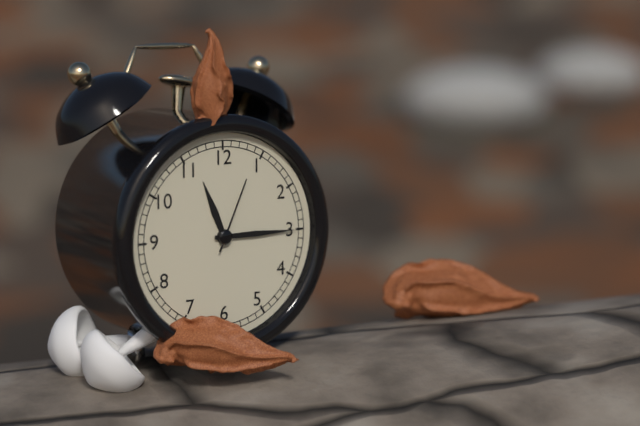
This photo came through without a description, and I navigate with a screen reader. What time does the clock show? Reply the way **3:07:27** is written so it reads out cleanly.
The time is **11:15:04**
